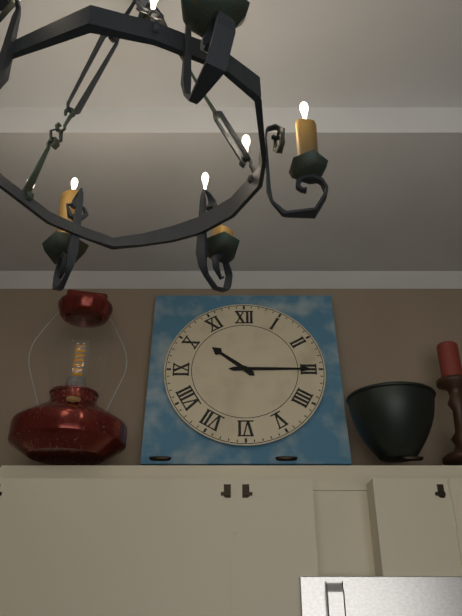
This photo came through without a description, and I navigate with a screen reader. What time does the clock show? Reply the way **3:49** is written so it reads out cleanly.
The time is **10:15**
